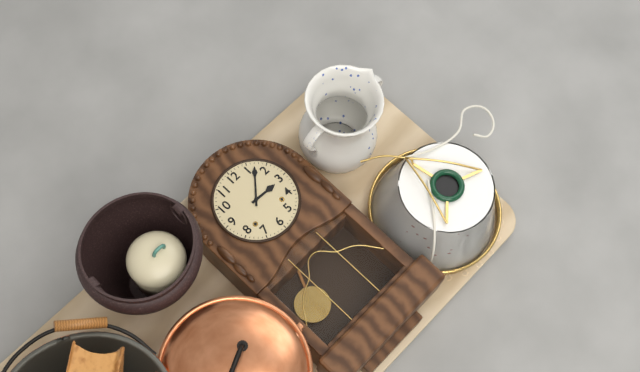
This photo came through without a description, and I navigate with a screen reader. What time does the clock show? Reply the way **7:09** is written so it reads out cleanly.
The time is **3:07**
